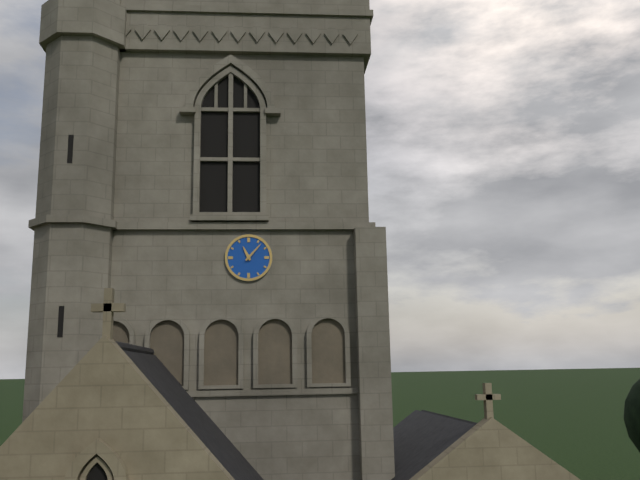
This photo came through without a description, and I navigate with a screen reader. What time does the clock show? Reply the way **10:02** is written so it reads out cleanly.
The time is **11:07**
